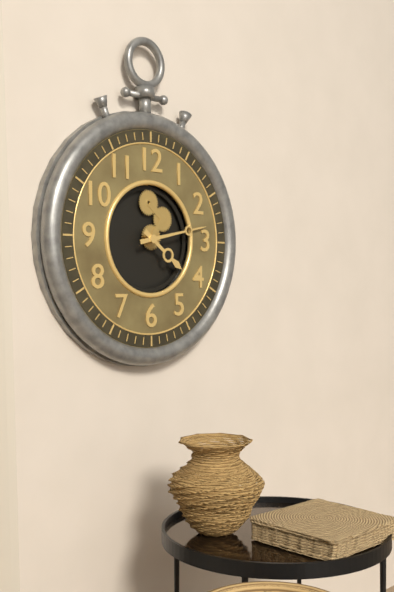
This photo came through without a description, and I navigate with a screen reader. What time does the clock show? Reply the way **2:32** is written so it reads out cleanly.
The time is **4:13**
